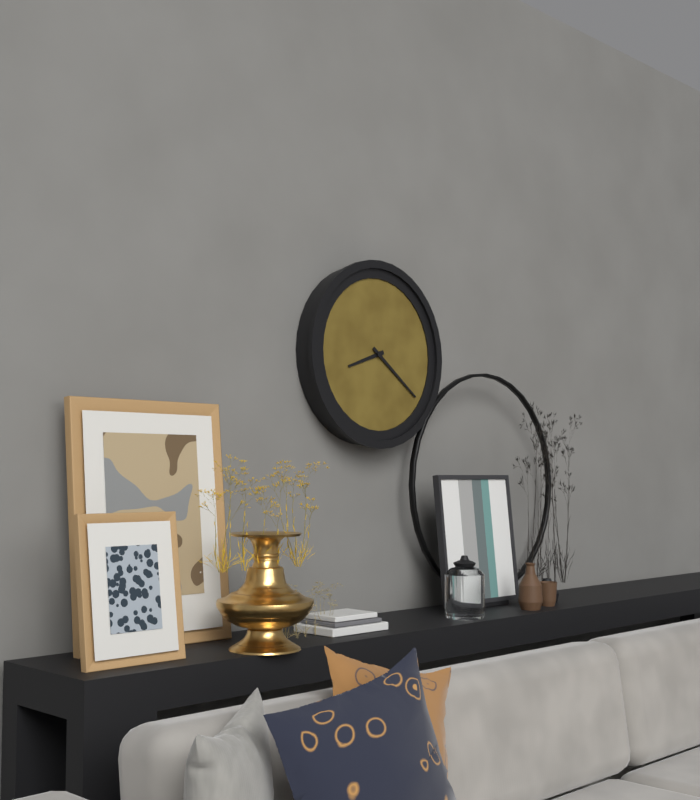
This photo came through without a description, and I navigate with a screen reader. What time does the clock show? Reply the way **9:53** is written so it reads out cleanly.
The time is **8:21**
